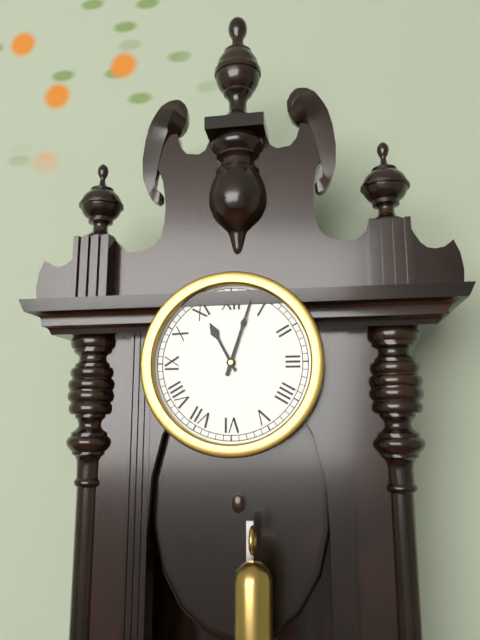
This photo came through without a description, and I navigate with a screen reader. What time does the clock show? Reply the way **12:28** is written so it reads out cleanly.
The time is **11:03**
